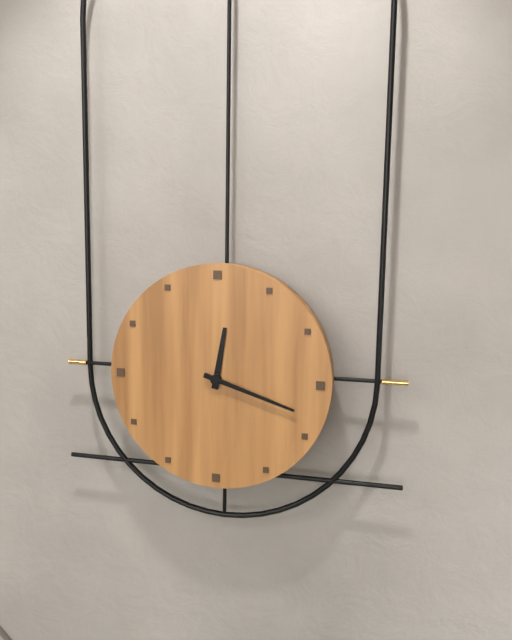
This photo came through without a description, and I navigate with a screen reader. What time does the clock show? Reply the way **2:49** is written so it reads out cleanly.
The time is **12:18**
